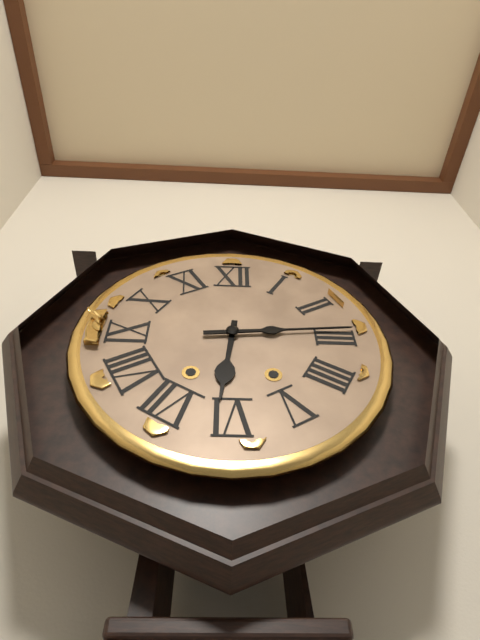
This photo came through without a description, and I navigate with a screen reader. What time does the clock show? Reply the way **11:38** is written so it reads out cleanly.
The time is **6:14**
